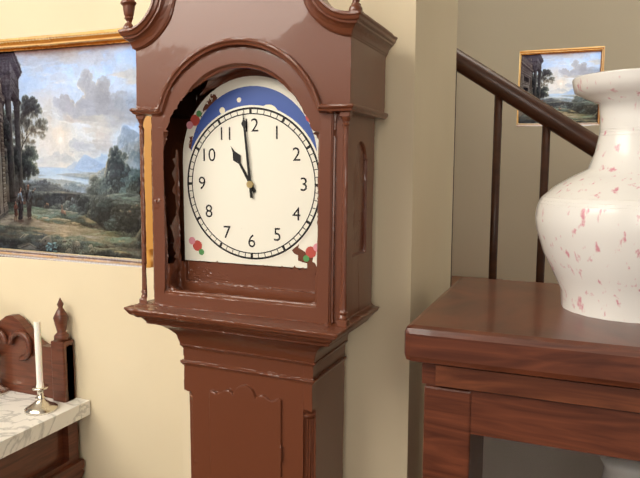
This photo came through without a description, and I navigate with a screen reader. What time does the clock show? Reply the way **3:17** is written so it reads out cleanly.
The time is **10:59**
